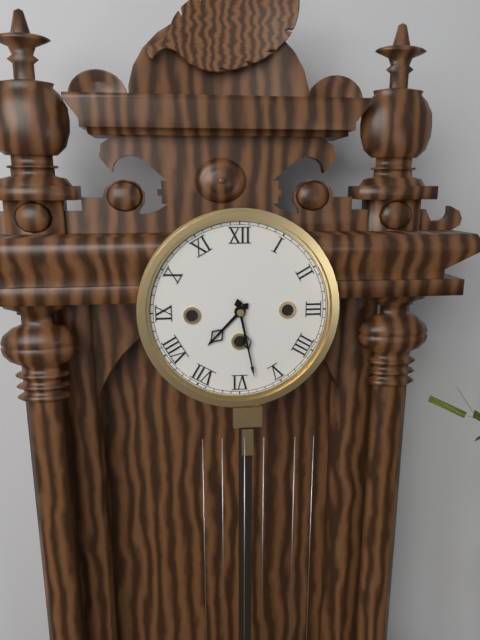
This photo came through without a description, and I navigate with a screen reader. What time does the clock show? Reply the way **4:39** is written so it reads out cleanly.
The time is **7:28**
